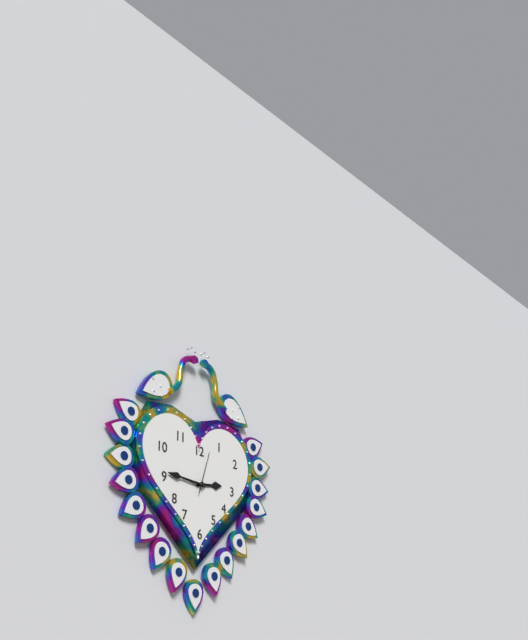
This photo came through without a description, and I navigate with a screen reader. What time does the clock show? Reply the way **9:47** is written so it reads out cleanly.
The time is **2:46**
